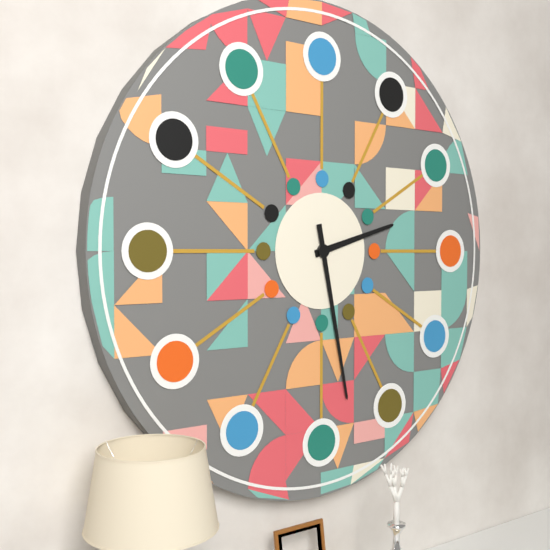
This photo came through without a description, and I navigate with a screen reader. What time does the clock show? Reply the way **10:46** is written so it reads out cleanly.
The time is **2:28**
